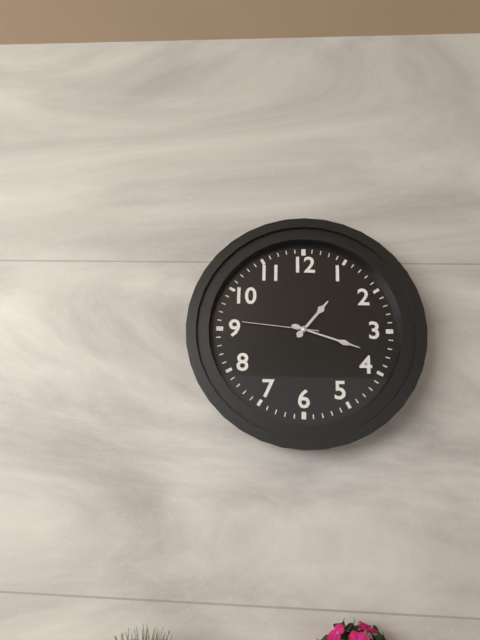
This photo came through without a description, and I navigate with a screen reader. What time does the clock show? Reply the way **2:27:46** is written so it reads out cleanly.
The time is **1:18:46**
